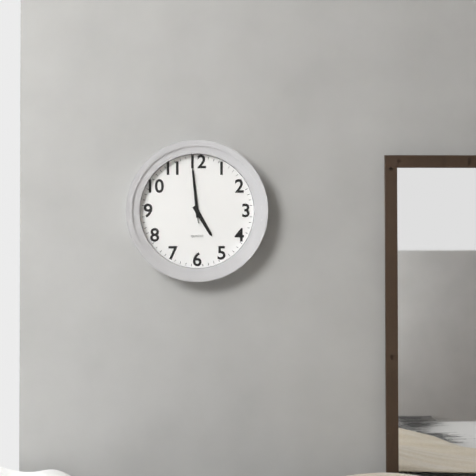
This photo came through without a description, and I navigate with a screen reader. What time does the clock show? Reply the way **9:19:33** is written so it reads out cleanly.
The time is **4:59:59**
